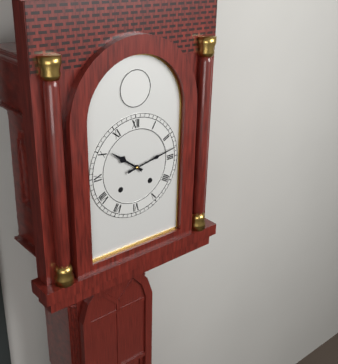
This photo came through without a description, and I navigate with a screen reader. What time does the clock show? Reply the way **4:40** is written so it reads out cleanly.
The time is **10:13**
